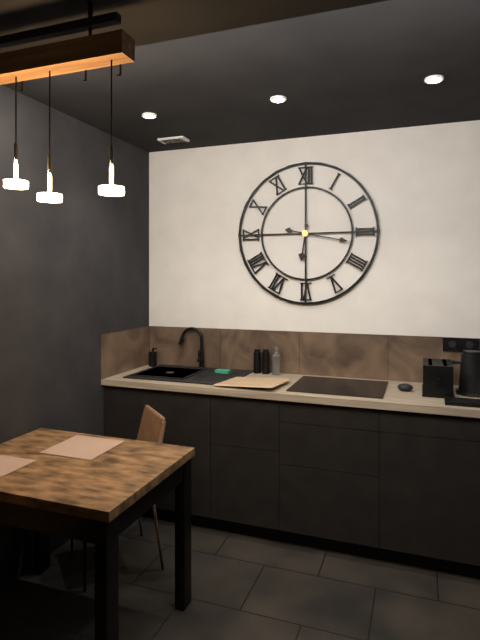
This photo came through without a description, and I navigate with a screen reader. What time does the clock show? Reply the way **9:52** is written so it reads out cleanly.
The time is **6:17**
